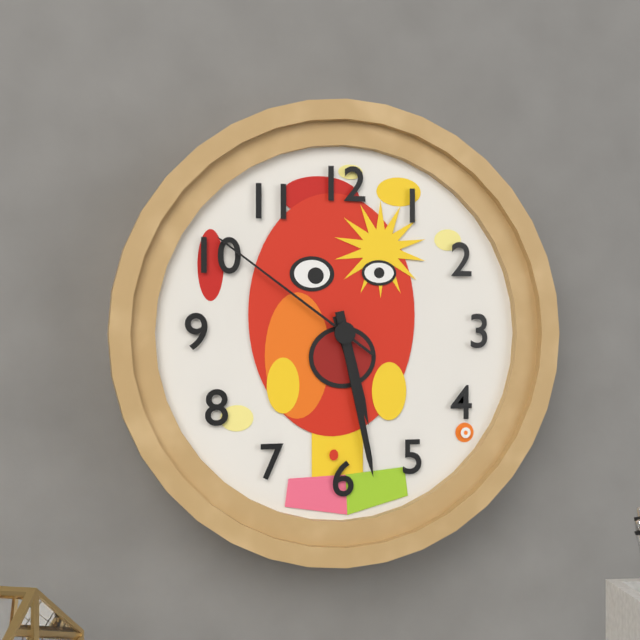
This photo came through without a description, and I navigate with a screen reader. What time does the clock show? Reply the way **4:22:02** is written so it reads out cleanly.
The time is **5:28:51**
